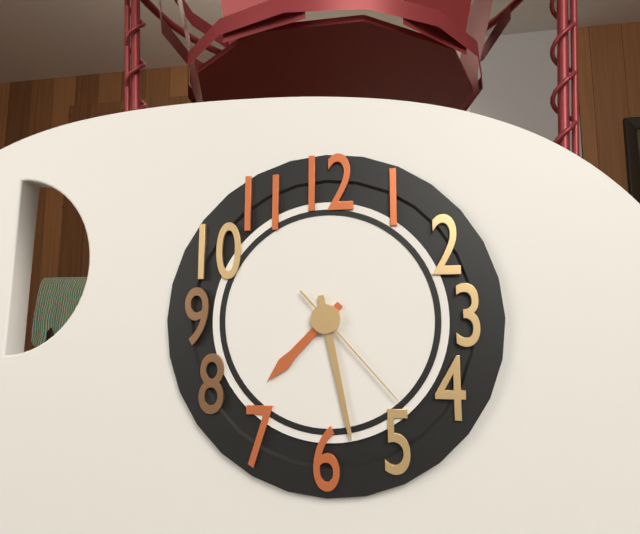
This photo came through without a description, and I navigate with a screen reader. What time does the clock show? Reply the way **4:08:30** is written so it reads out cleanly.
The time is **7:28:23**
